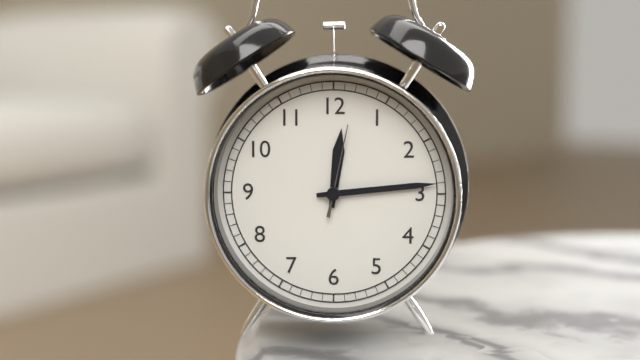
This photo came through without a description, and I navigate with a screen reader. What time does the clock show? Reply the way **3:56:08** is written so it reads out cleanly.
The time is **12:14:02**
